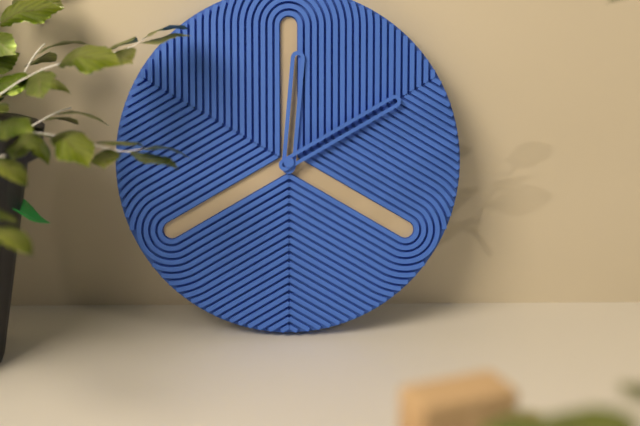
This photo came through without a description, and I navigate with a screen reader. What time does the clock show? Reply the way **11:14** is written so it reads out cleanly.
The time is **12:10**
